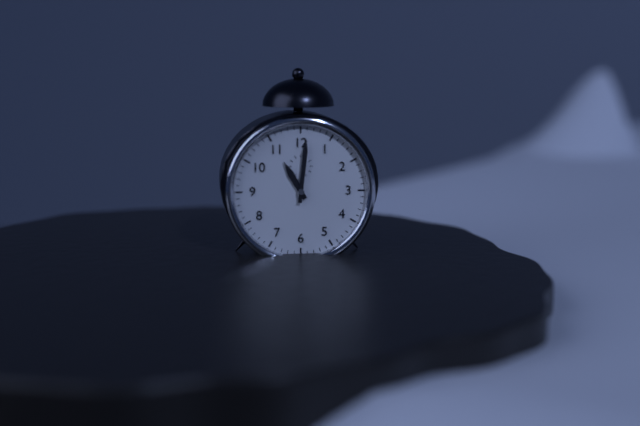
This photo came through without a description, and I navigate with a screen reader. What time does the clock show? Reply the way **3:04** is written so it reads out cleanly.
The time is **11:01**
